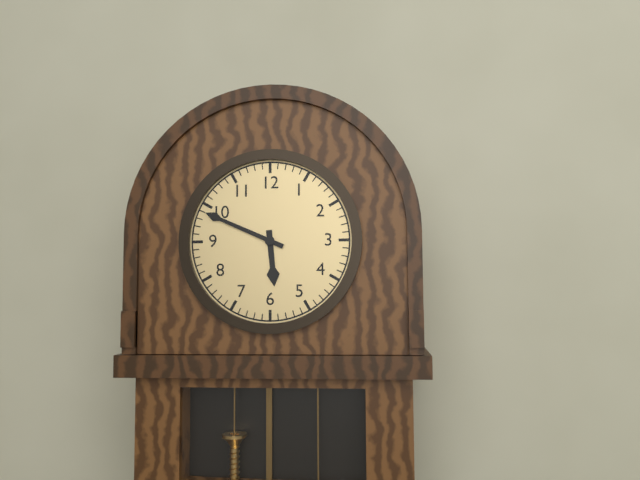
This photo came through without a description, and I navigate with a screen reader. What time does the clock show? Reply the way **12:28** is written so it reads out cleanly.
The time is **5:49**
